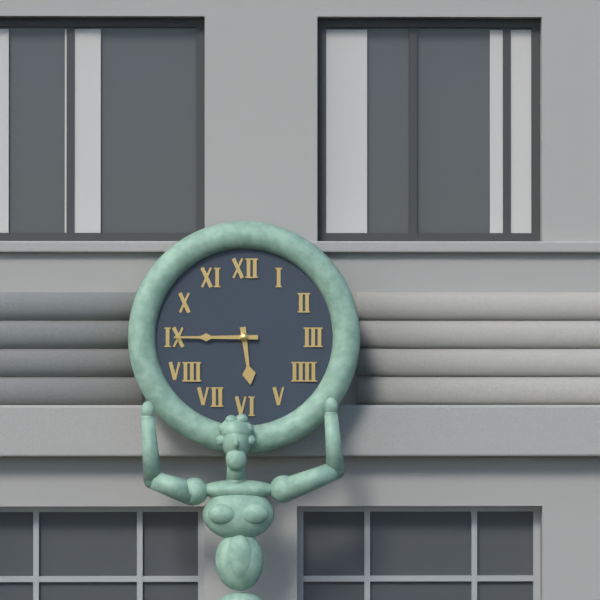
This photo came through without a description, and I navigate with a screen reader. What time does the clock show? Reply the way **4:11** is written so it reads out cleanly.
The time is **5:45**
